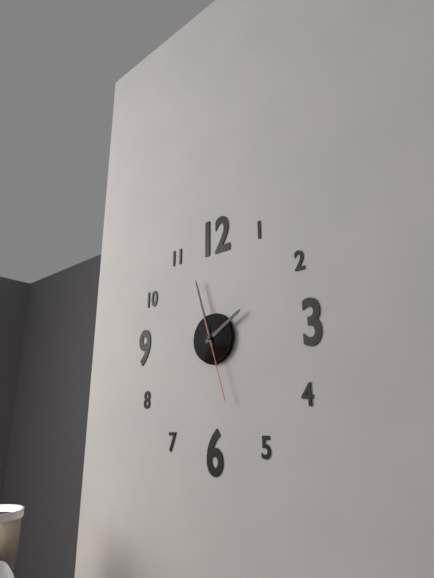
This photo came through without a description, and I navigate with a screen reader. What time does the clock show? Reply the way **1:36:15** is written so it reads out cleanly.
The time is **1:57:27**
